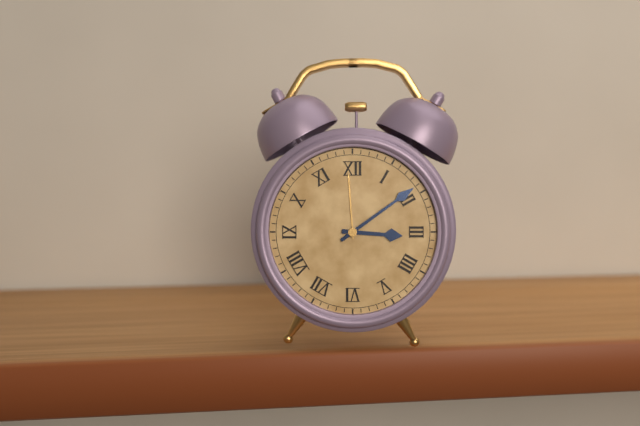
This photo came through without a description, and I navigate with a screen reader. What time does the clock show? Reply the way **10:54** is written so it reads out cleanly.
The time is **3:09**
